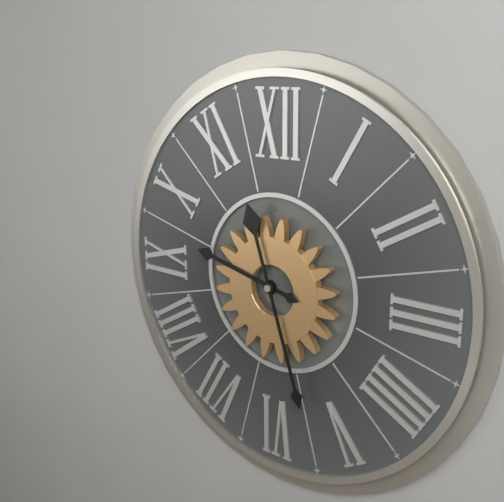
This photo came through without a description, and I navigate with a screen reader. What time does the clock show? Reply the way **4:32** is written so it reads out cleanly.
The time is **9:27**
